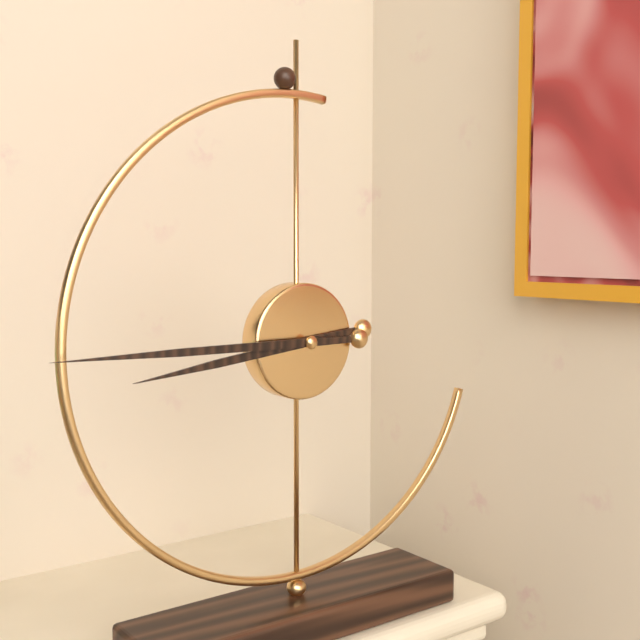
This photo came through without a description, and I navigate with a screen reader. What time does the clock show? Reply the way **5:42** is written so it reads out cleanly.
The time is **8:45**
